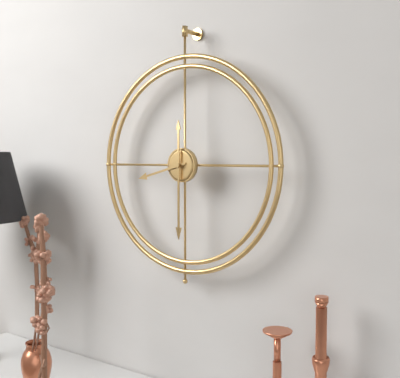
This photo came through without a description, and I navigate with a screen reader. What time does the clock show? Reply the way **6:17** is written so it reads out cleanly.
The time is **8:30**
